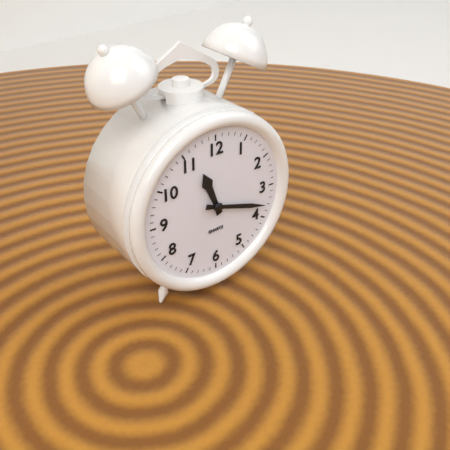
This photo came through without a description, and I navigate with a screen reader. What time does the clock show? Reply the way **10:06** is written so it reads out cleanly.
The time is **11:18**
